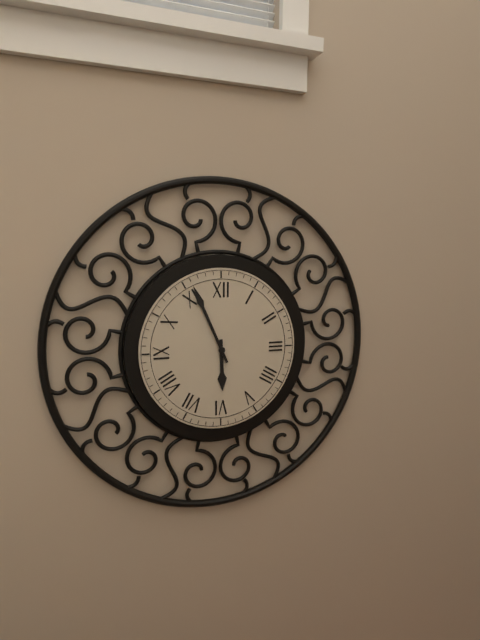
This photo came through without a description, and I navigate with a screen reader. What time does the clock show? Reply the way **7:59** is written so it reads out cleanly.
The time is **5:56**
